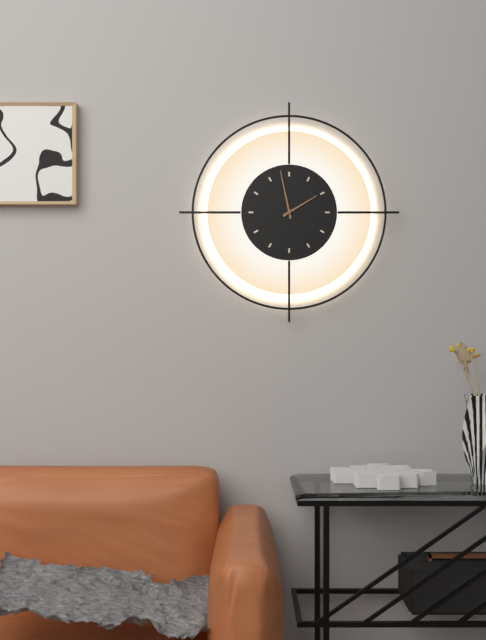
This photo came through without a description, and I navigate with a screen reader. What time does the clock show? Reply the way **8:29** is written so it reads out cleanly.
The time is **1:58**
